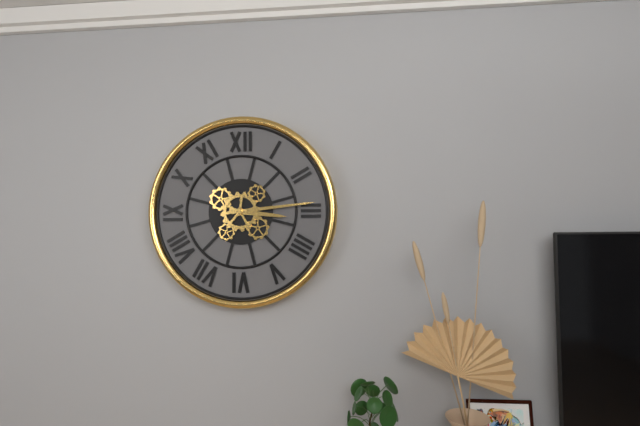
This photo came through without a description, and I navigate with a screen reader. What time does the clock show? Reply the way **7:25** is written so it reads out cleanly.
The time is **3:14**
